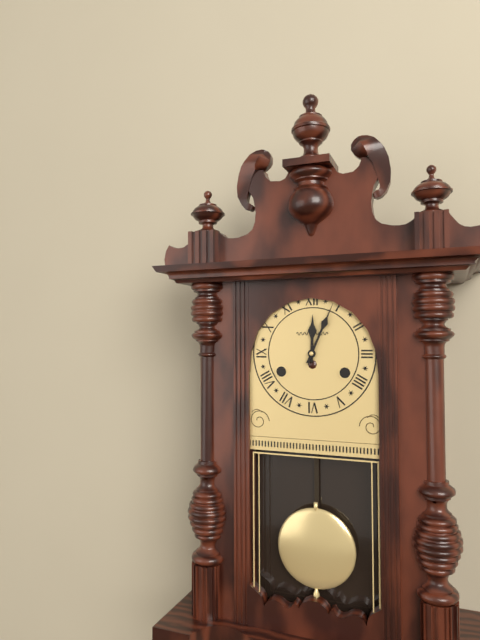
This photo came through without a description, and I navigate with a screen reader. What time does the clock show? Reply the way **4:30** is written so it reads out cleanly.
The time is **12:04**
